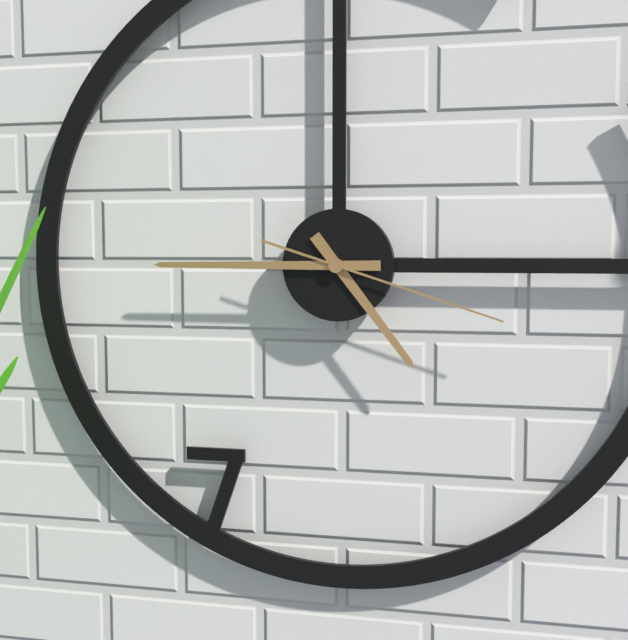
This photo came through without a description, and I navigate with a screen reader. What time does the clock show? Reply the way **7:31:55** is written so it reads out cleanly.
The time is **4:45:18**
